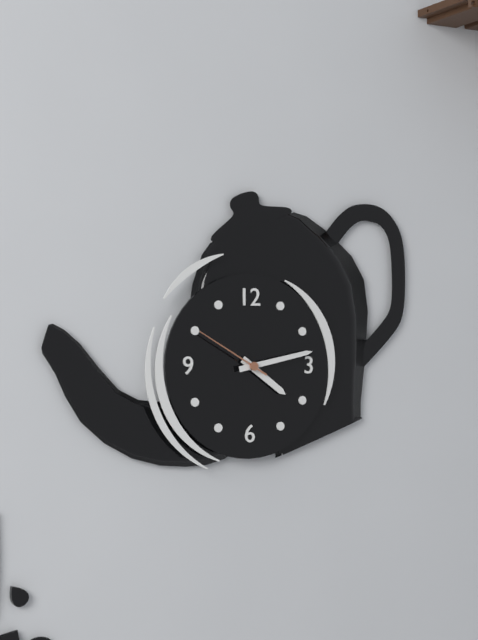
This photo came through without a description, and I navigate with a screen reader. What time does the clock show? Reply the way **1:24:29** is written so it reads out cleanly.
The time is **4:13:50**
